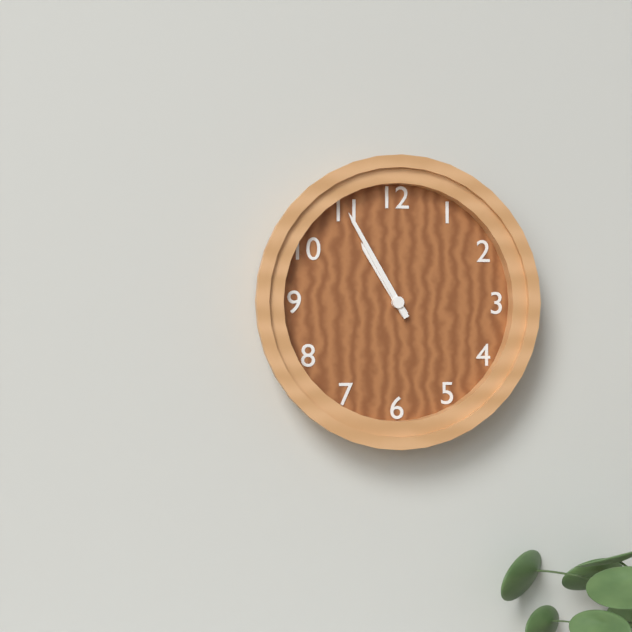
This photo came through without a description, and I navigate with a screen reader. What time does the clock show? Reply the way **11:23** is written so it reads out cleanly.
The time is **10:55**
